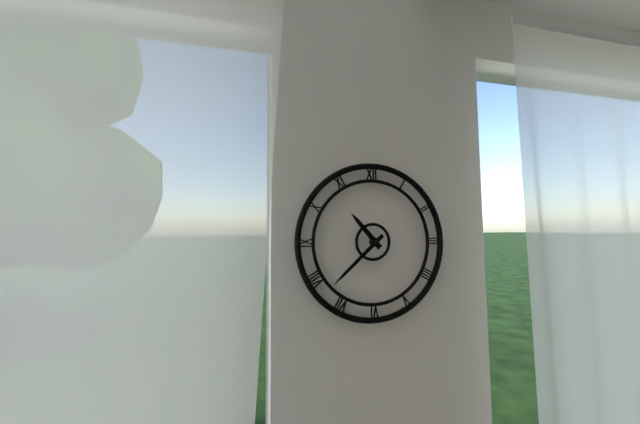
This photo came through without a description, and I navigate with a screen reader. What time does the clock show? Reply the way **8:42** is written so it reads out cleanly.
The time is **10:38**
